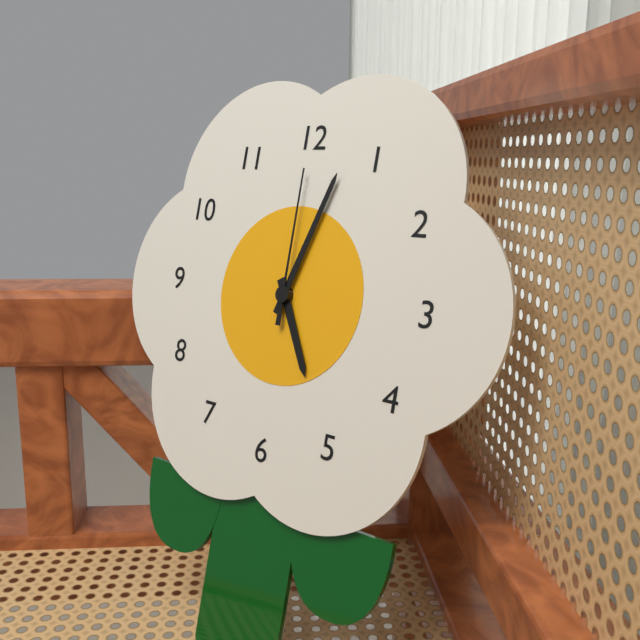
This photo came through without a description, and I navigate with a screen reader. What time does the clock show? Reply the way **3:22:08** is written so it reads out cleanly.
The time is **5:03:00**
